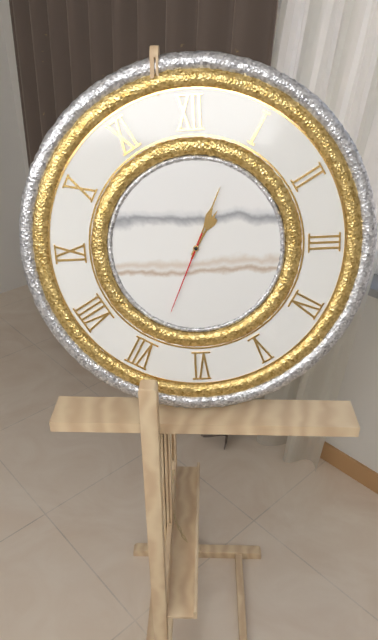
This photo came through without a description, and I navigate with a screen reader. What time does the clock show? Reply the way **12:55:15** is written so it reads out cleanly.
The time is **1:04:34**
